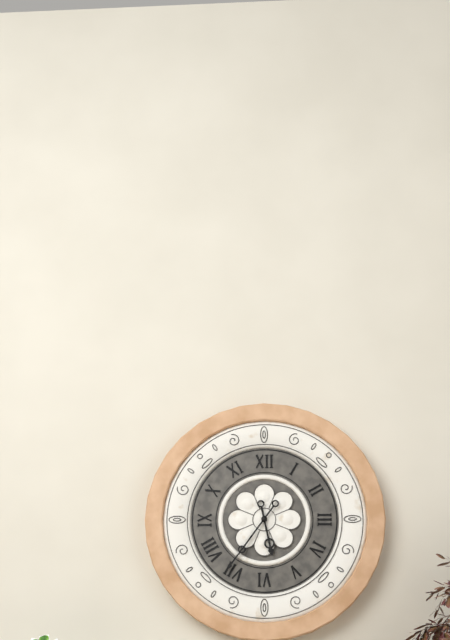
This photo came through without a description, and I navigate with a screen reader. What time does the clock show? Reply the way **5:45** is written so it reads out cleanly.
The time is **5:36**
